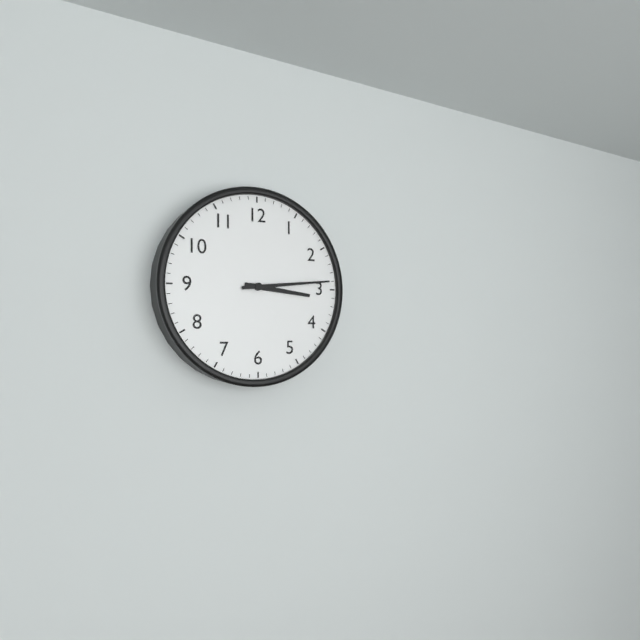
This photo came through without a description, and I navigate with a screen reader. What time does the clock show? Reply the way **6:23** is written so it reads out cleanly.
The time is **3:14**
